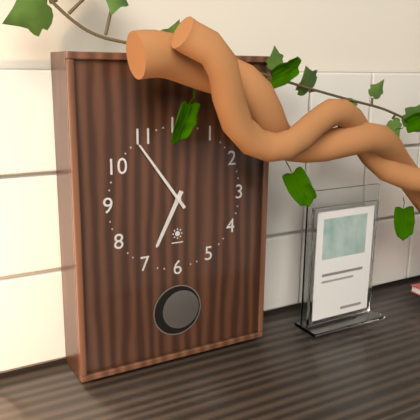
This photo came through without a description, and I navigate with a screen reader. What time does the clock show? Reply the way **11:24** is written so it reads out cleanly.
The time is **6:54**
